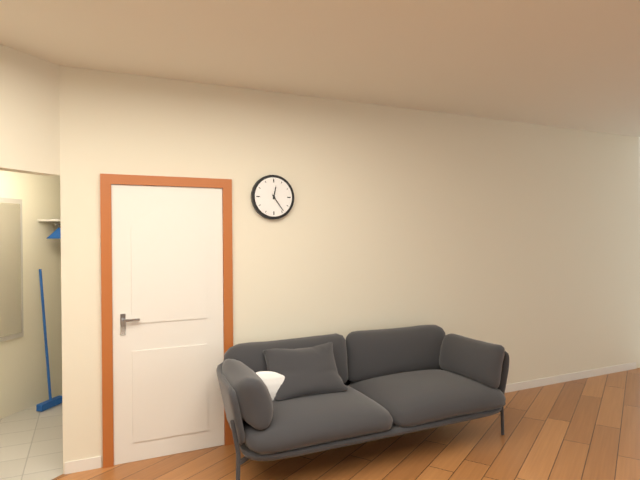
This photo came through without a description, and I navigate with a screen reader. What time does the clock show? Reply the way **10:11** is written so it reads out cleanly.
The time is **12:24**
